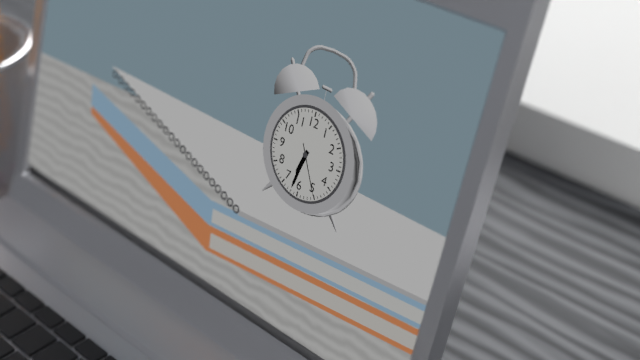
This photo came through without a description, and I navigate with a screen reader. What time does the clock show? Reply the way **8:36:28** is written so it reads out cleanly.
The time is **6:32:25**
